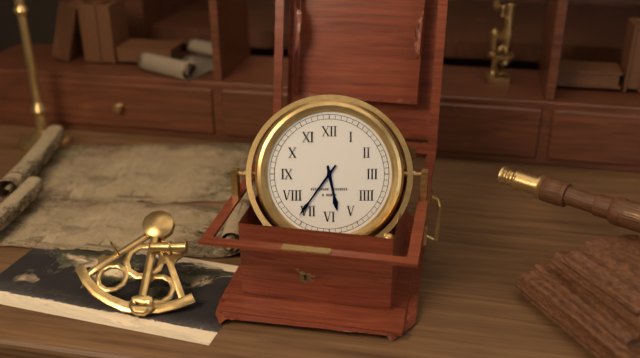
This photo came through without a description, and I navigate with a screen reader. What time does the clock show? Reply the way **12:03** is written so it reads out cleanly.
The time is **5:36**
